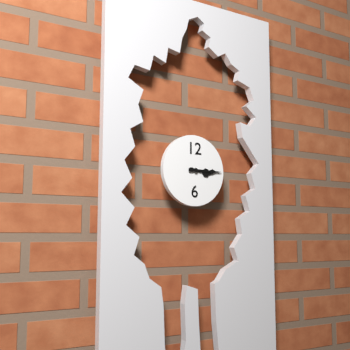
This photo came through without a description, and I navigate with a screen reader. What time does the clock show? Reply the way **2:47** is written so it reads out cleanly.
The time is **3:15**
